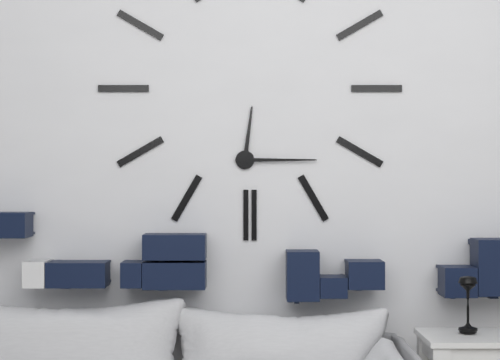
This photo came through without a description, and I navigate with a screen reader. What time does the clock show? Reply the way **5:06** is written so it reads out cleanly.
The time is **12:15**
